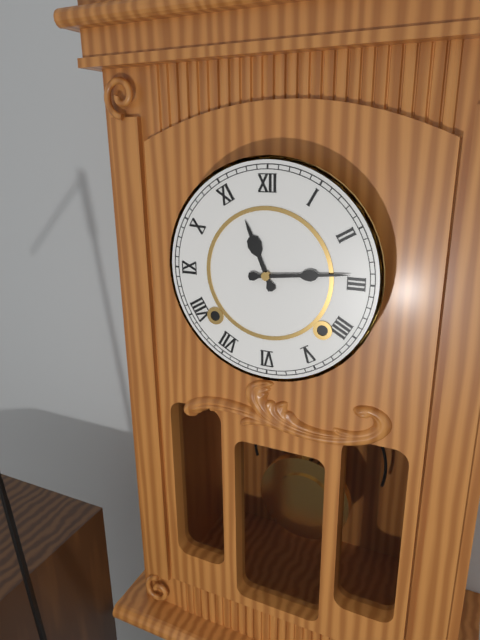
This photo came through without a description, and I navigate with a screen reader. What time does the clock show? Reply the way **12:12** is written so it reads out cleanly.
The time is **11:14**
